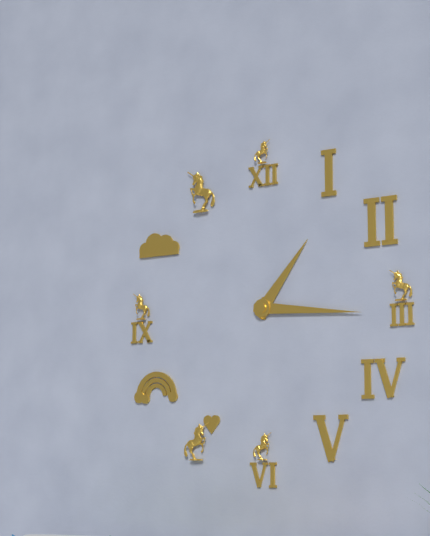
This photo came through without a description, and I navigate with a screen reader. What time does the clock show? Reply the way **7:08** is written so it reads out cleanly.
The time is **1:16**
